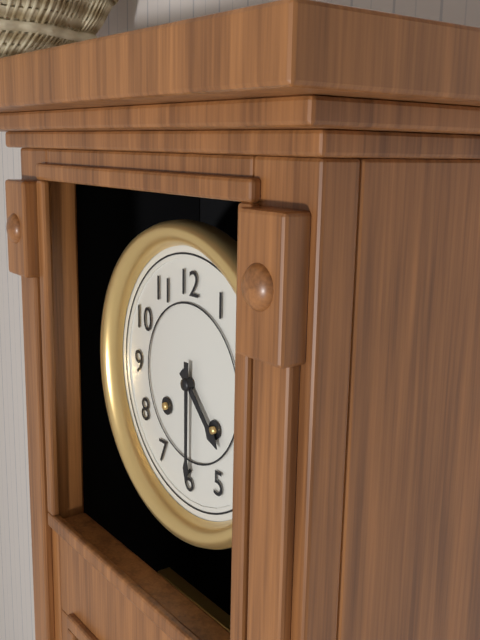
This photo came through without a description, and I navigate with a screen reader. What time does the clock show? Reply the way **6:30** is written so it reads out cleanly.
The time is **4:30**
